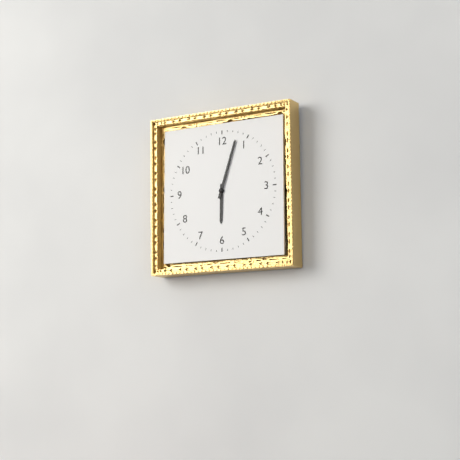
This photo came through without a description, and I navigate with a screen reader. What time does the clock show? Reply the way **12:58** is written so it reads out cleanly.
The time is **6:03**
